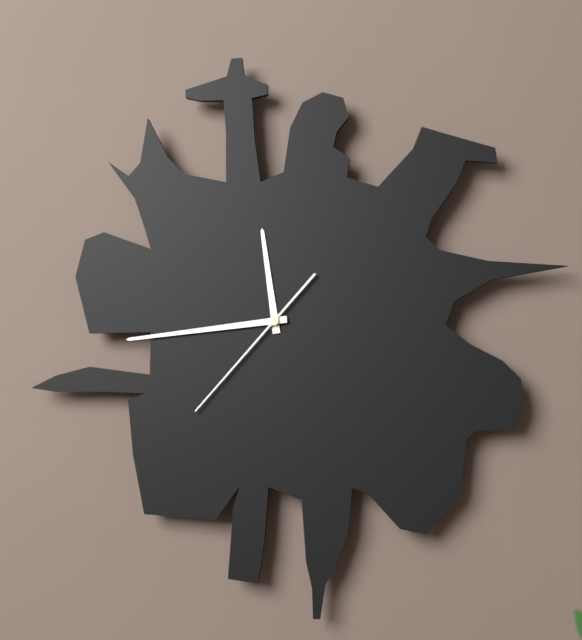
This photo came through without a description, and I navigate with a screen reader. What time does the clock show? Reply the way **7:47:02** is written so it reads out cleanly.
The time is **11:44:37**
